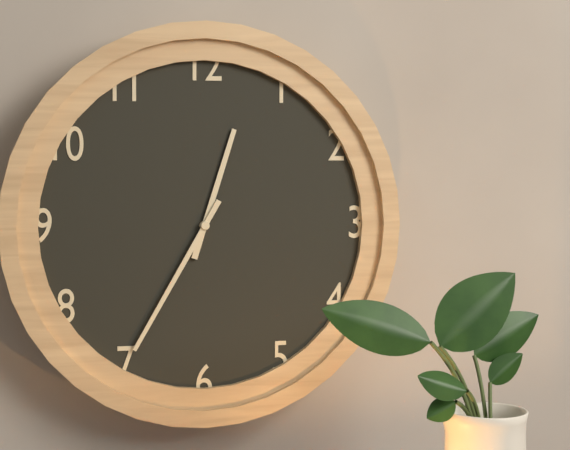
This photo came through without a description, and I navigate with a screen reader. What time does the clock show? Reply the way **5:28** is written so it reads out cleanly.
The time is **12:35**
